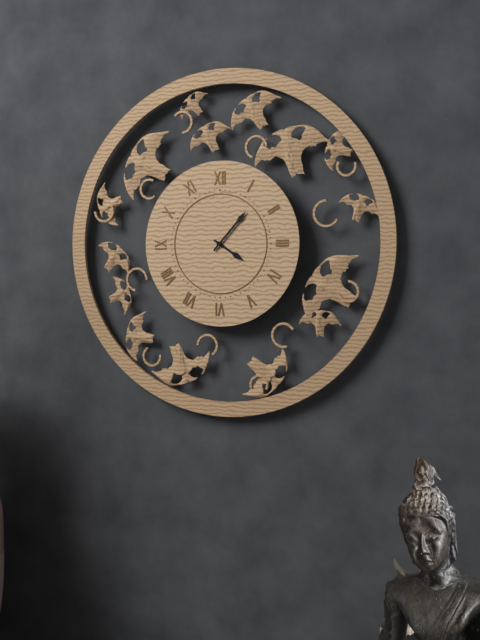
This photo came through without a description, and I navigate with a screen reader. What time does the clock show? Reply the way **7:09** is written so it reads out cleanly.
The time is **4:07**
